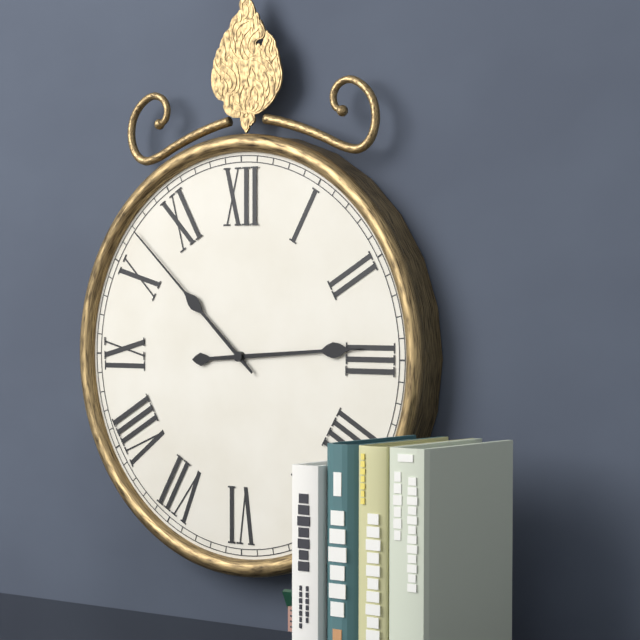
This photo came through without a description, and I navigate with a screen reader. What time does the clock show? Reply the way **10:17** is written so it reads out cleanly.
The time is **2:52**
